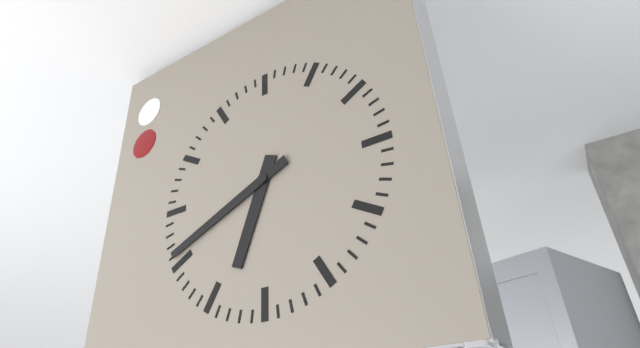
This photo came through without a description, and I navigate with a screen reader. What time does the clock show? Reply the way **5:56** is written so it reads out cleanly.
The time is **6:41**
